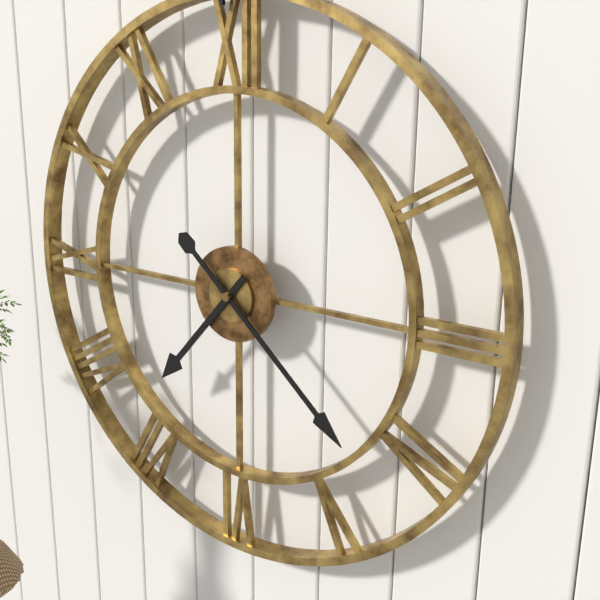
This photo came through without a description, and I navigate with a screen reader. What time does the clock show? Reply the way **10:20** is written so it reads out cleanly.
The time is **7:22**
